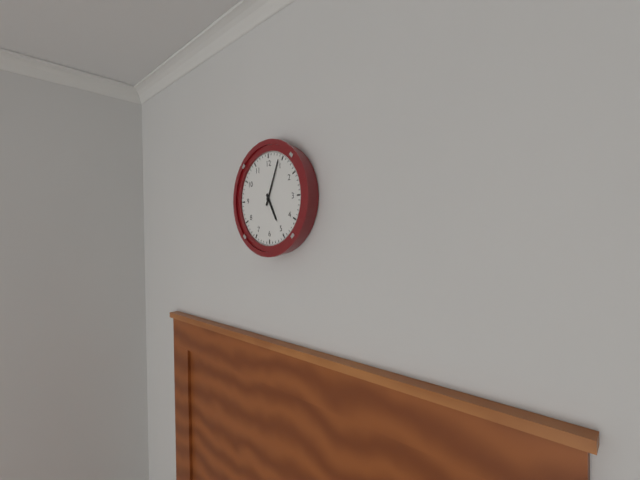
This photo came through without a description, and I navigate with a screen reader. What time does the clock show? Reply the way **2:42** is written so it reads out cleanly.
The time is **5:04**
